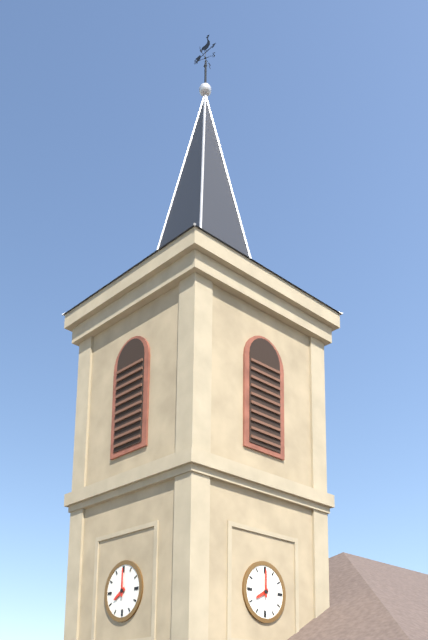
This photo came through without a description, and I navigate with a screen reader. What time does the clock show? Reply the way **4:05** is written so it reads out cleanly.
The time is **8:00**
